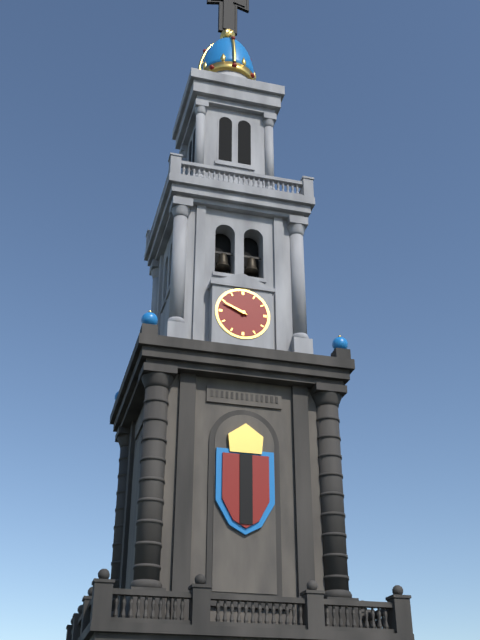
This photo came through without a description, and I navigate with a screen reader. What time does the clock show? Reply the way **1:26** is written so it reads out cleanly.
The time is **9:49**
